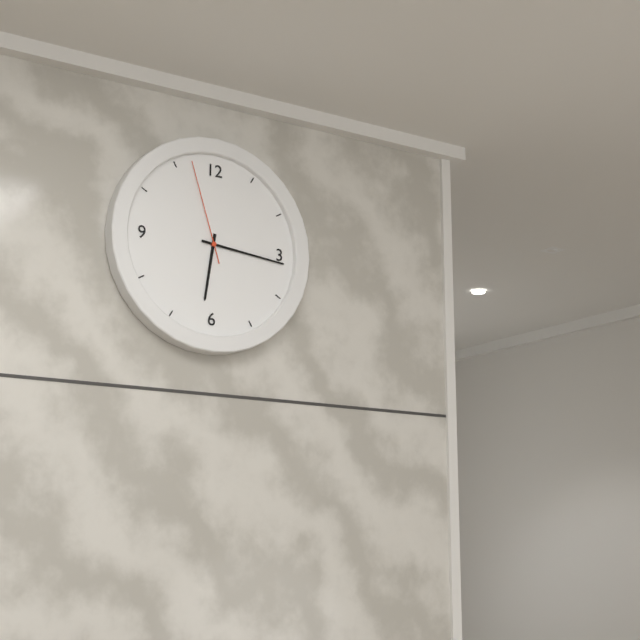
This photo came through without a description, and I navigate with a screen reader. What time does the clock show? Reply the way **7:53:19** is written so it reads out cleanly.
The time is **6:16:57**
